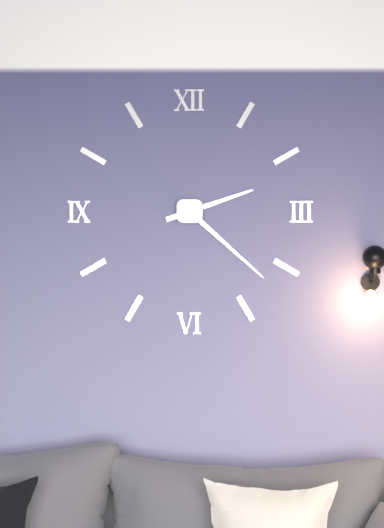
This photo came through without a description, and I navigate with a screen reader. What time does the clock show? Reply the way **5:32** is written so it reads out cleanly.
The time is **2:22**
